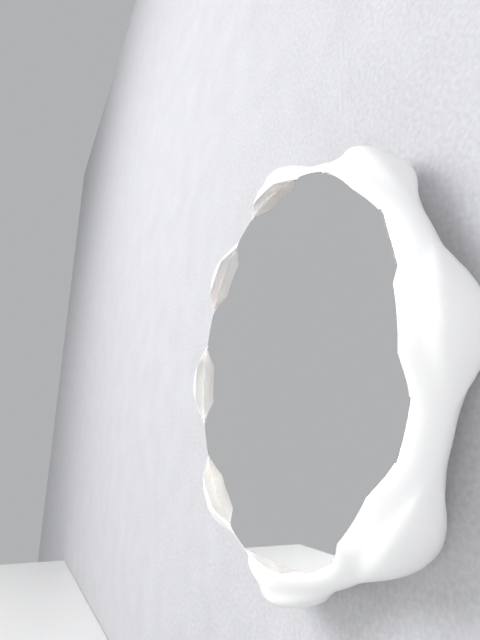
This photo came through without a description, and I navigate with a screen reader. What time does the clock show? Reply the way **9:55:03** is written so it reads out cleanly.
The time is **7:08:45**
